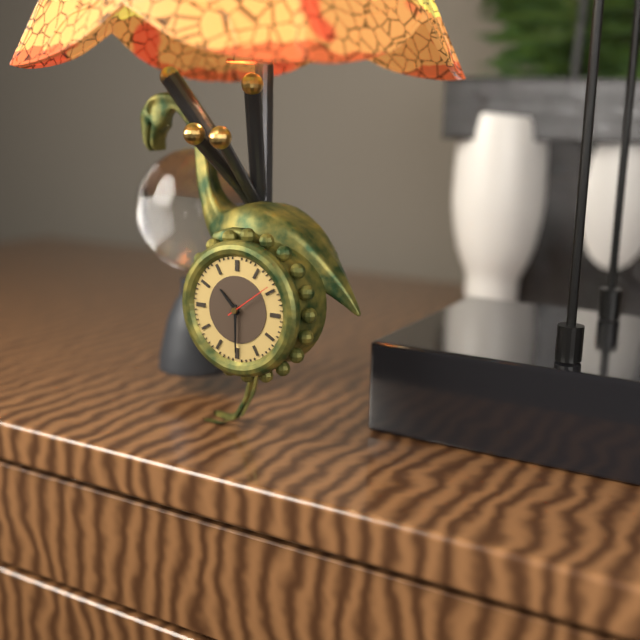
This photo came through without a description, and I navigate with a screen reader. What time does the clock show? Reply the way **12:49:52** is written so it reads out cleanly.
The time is **10:30:09**
